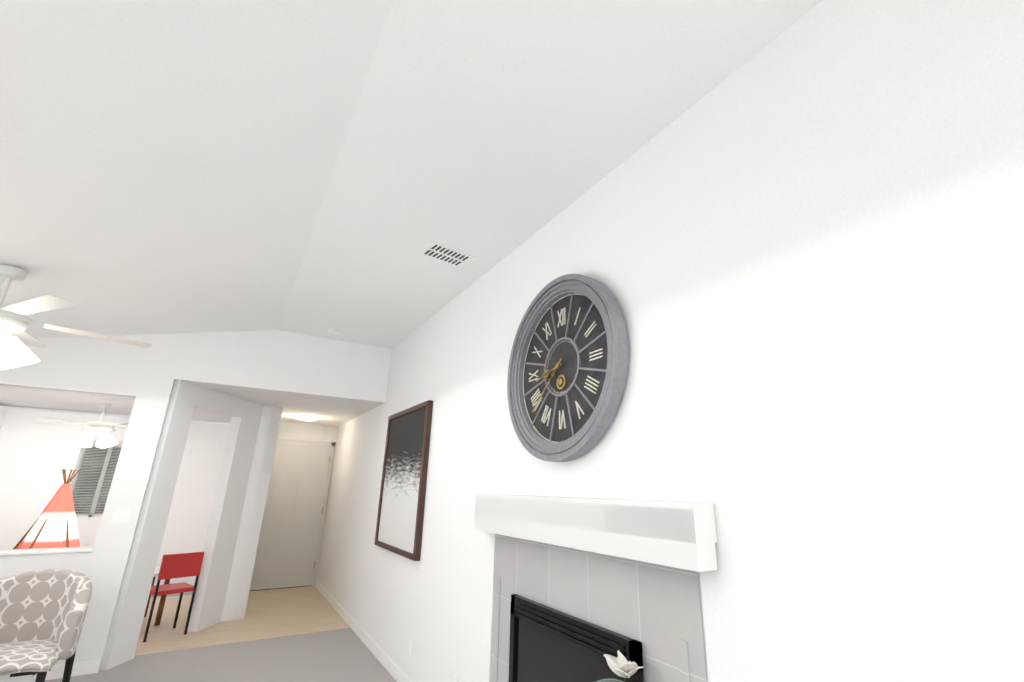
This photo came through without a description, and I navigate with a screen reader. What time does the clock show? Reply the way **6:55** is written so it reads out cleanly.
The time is **8:38**
